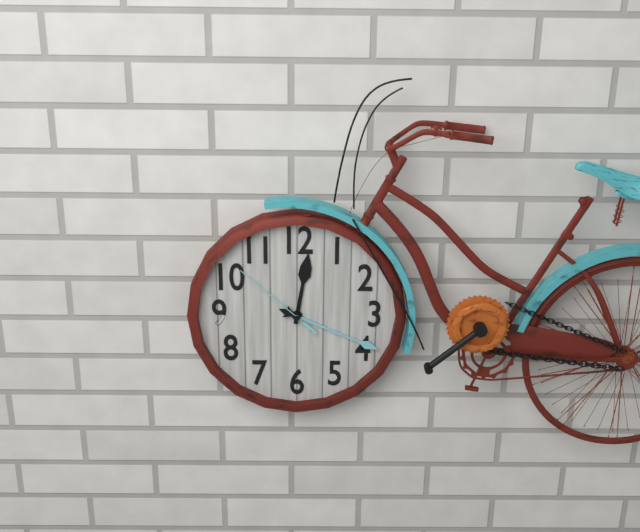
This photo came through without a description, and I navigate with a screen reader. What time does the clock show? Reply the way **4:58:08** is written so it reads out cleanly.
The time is **12:19:52**
